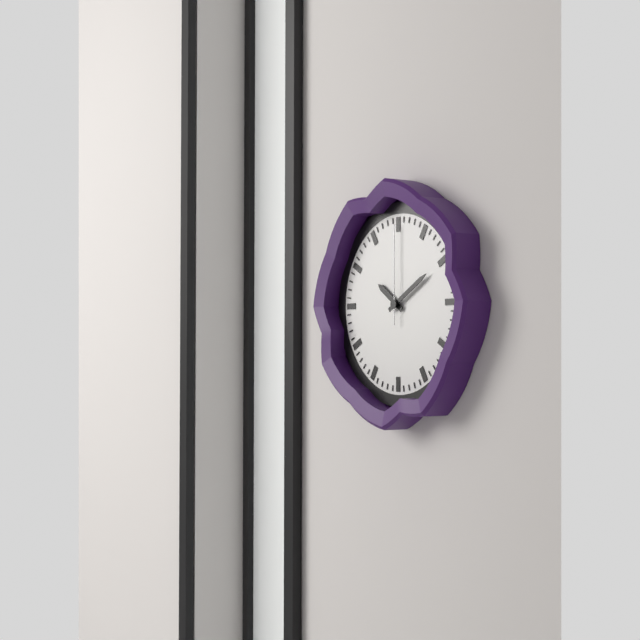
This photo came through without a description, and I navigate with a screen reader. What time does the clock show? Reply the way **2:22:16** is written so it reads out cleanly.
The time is **10:10:00**
